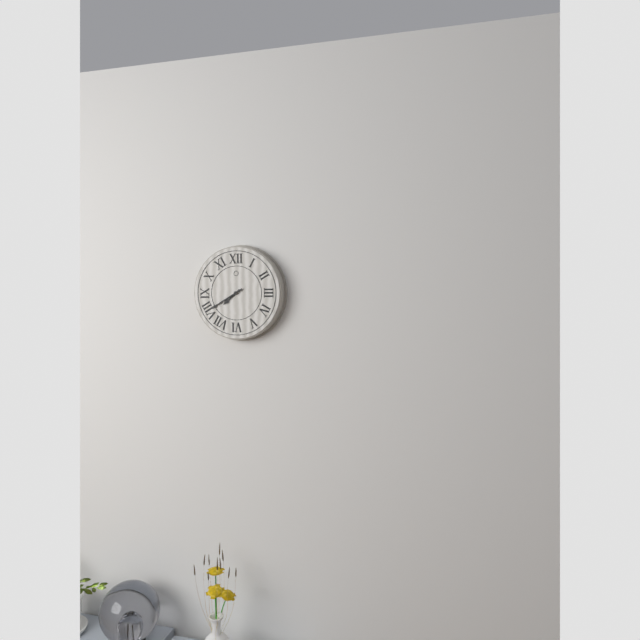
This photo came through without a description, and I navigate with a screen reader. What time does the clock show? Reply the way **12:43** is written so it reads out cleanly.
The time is **7:40**
